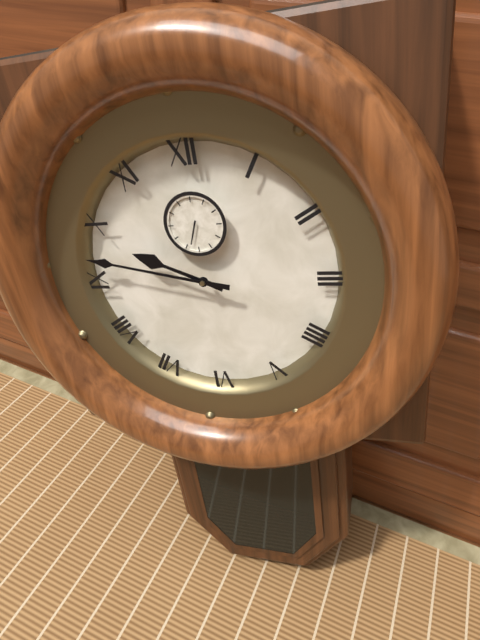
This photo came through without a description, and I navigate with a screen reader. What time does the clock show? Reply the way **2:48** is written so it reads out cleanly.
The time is **9:47**
